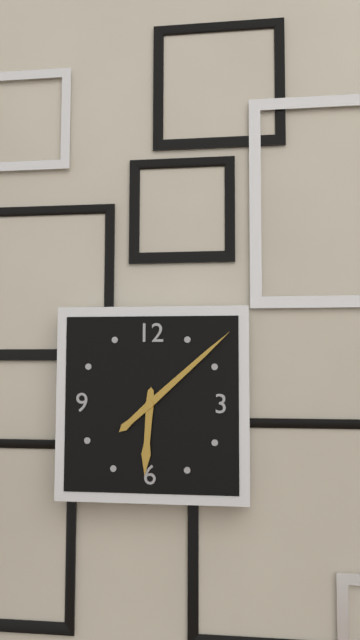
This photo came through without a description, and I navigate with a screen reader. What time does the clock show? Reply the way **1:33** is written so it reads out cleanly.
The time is **6:08**
